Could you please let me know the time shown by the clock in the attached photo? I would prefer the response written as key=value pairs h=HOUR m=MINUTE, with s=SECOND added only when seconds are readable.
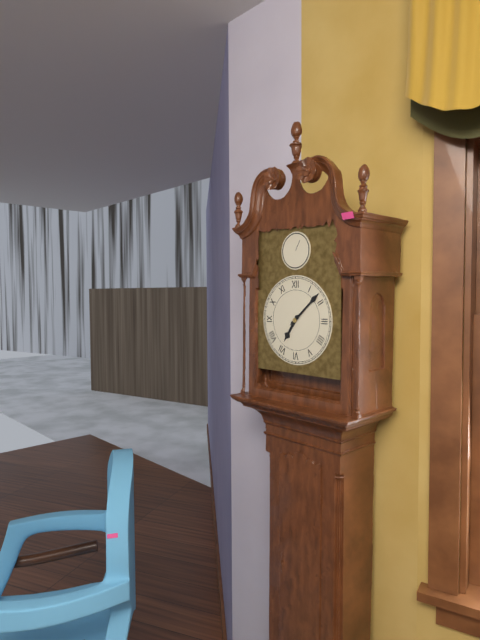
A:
h=7 m=8
